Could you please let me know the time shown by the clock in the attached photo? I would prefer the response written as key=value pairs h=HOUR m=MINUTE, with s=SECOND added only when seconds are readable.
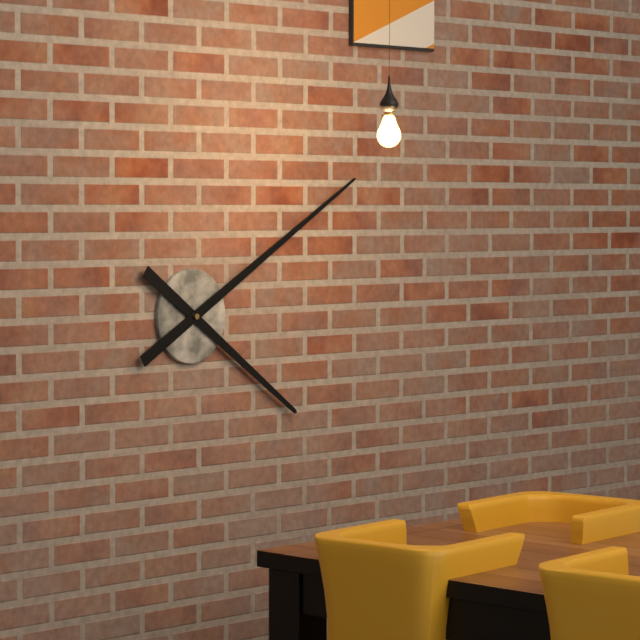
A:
h=4 m=10
